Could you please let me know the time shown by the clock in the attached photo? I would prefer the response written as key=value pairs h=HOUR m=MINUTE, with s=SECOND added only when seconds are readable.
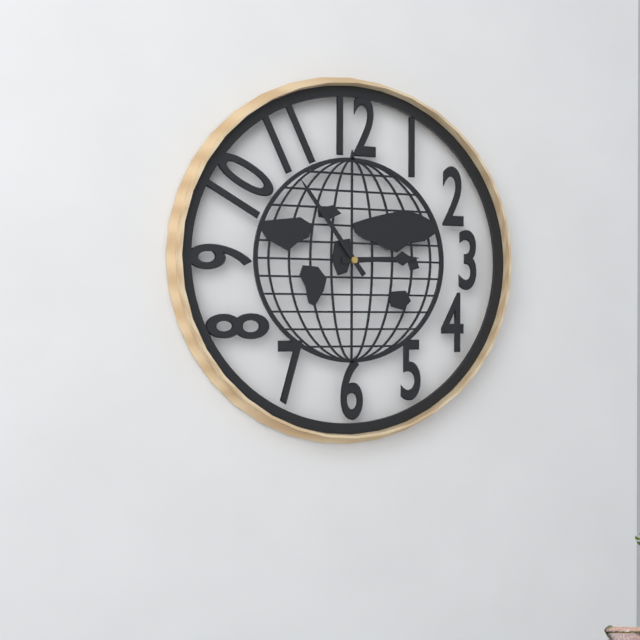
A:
h=2 m=54
